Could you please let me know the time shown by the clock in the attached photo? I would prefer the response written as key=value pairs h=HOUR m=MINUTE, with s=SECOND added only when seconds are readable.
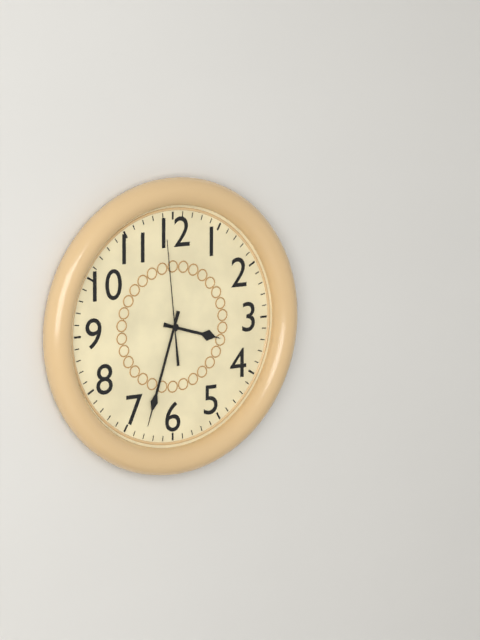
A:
h=3 m=33 s=59
